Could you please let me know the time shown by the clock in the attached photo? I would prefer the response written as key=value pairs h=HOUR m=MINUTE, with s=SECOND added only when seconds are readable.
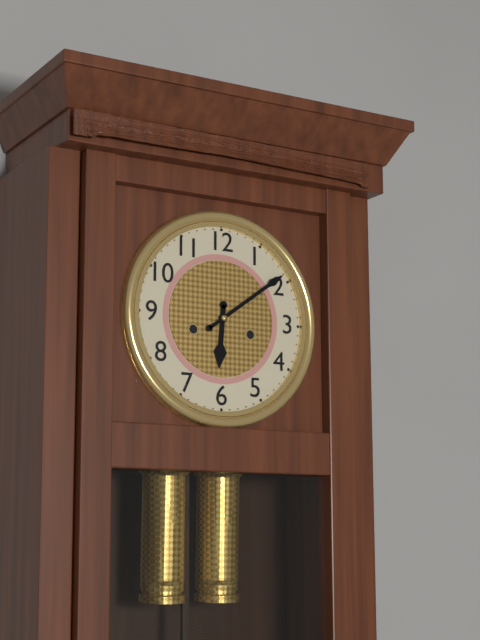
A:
h=6 m=9
